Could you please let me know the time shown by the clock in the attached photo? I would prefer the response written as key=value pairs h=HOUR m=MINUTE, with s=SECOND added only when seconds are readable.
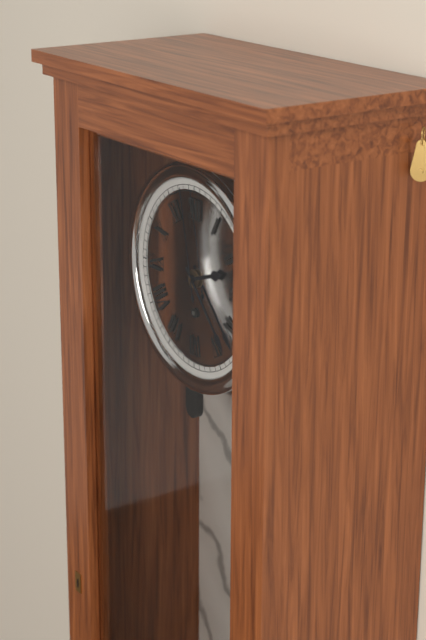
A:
h=2 m=23 s=58
